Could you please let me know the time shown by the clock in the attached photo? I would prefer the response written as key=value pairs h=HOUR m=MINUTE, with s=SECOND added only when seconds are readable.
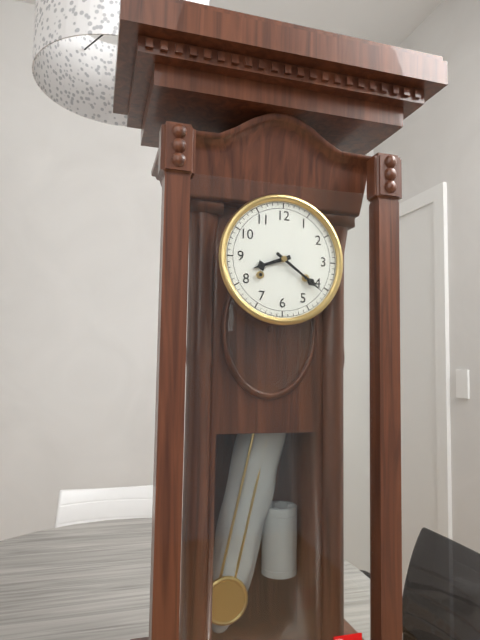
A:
h=8 m=21
